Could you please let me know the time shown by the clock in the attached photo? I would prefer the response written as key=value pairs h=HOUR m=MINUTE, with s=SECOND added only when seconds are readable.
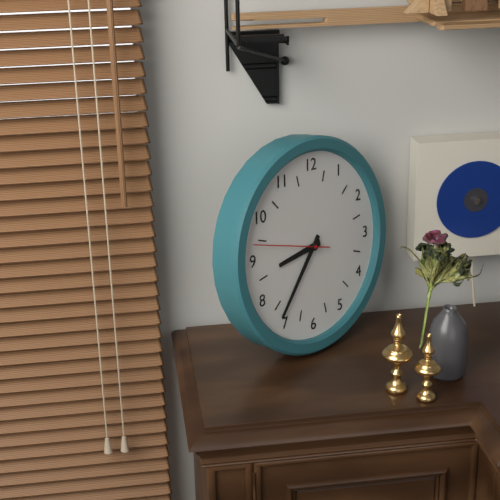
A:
h=8 m=36 s=47
